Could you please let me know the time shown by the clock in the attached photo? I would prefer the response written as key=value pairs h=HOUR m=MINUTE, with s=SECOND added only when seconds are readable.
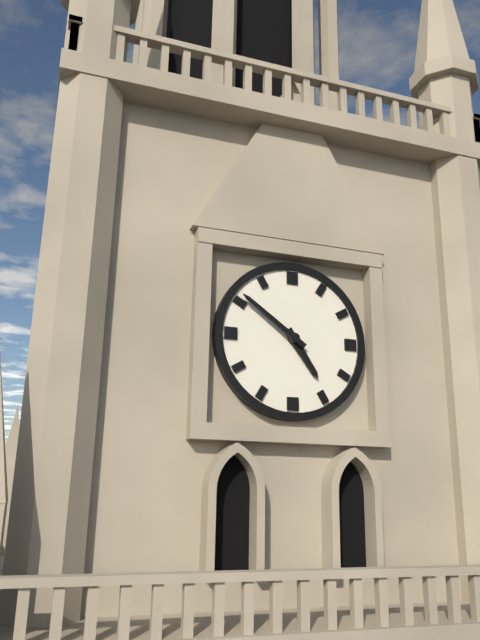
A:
h=4 m=51
